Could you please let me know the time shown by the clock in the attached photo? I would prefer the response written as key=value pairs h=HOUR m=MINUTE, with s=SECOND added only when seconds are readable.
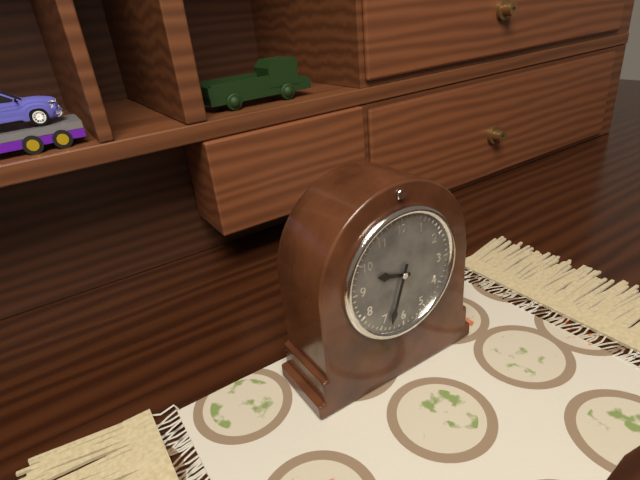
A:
h=9 m=33
